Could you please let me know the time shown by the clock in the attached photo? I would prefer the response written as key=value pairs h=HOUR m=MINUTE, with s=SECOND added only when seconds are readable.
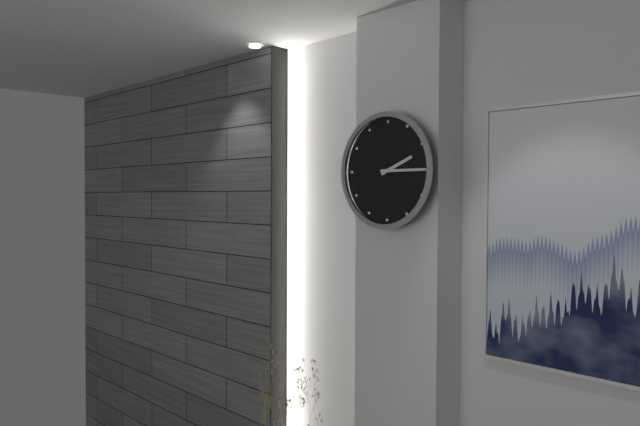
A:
h=2 m=15
